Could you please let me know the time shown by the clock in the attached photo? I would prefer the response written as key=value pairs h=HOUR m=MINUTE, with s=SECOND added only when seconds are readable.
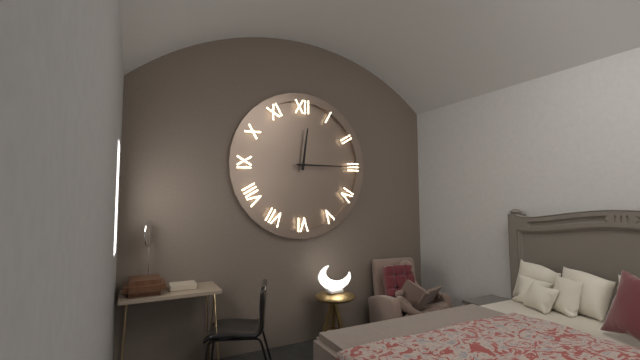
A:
h=12 m=15
